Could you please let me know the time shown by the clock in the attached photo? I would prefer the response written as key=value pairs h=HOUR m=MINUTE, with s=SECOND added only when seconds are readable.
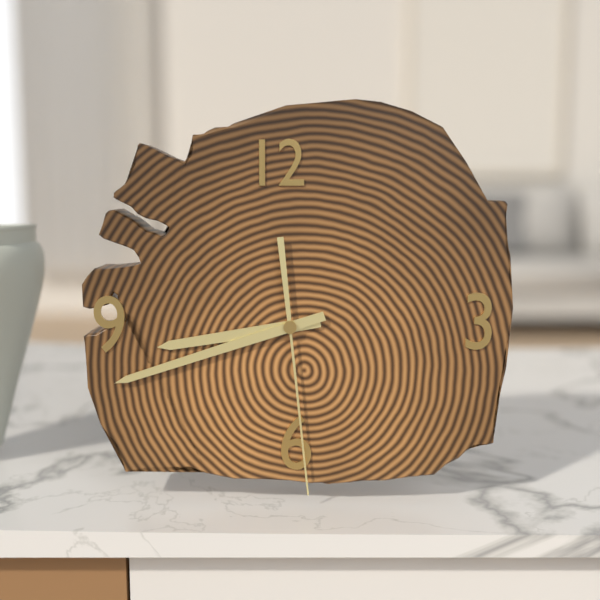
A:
h=8 m=42 s=29
